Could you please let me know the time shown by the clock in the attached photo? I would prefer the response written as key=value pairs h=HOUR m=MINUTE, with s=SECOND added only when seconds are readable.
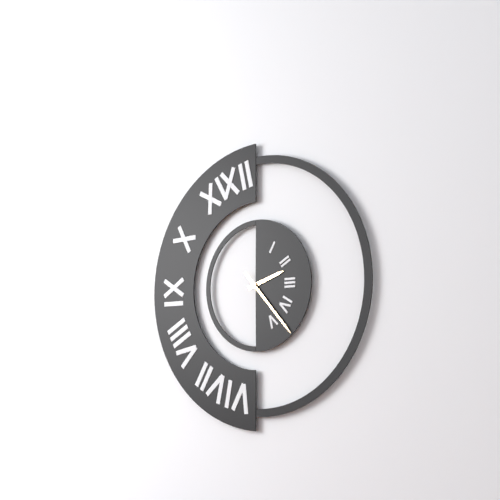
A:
h=2 m=23
